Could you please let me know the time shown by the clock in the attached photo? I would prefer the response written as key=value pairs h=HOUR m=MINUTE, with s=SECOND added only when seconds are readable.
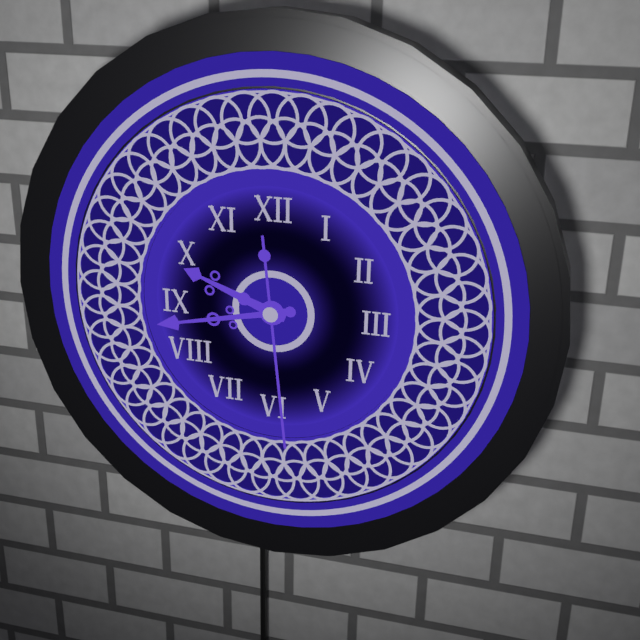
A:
h=9 m=43 s=29
